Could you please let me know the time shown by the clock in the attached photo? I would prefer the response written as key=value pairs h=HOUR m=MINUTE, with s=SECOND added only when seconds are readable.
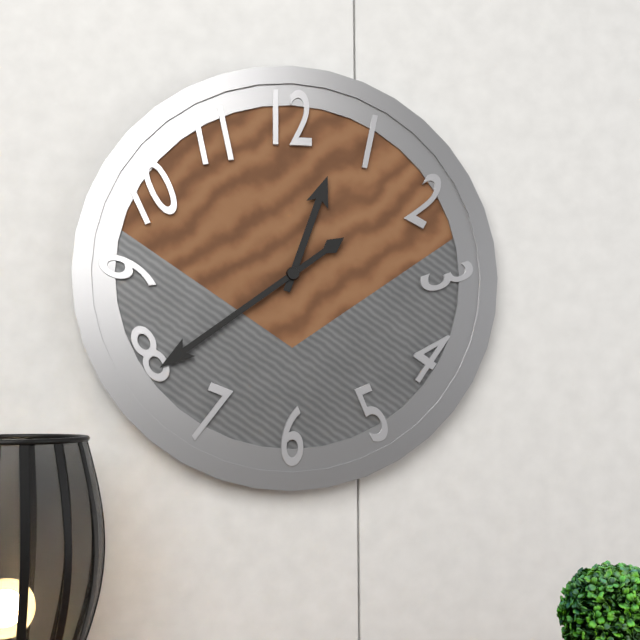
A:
h=12 m=39
